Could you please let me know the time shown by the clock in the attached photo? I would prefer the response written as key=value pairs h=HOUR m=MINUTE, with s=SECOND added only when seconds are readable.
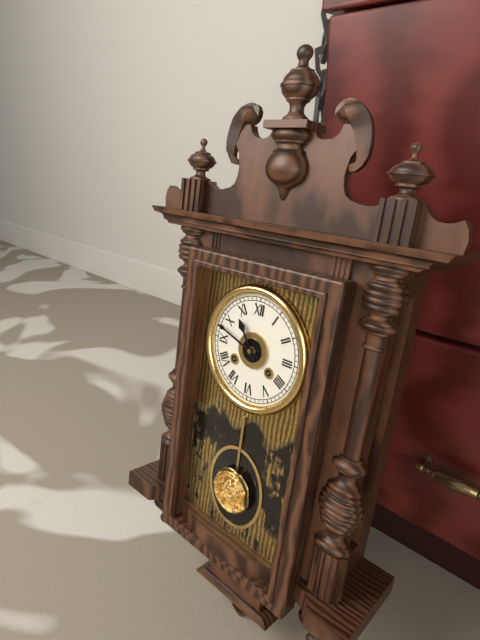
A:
h=10 m=48
